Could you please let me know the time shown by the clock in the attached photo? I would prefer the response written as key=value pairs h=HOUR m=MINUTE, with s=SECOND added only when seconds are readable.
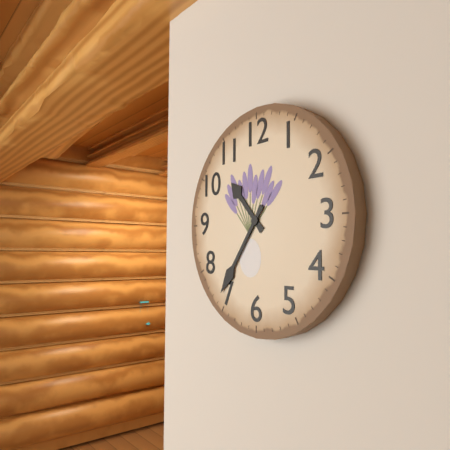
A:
h=10 m=36
